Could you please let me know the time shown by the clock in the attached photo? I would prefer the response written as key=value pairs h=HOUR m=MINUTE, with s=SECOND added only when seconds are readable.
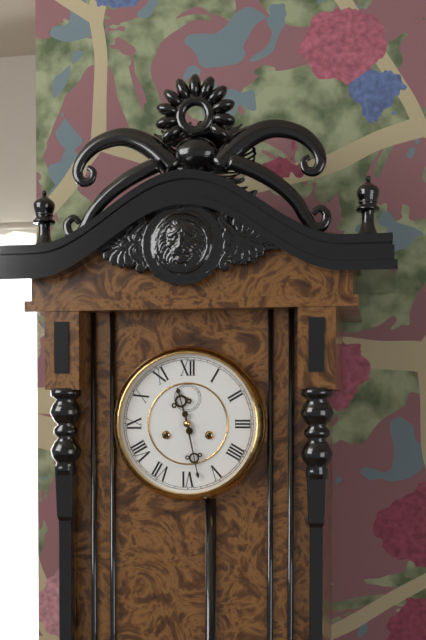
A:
h=11 m=28
